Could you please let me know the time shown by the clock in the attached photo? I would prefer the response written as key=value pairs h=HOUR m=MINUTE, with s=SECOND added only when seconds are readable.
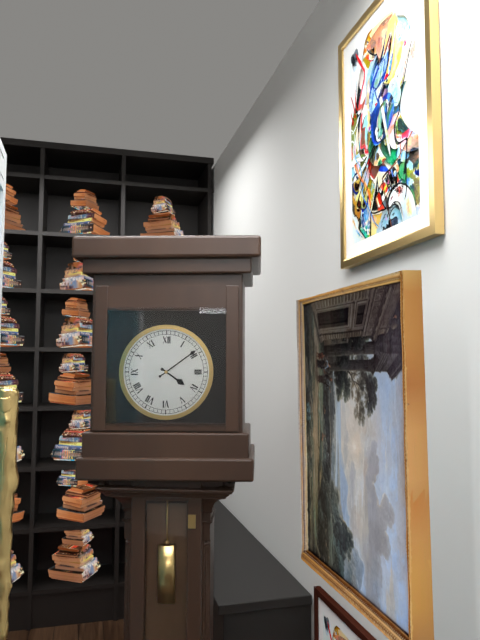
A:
h=4 m=9
